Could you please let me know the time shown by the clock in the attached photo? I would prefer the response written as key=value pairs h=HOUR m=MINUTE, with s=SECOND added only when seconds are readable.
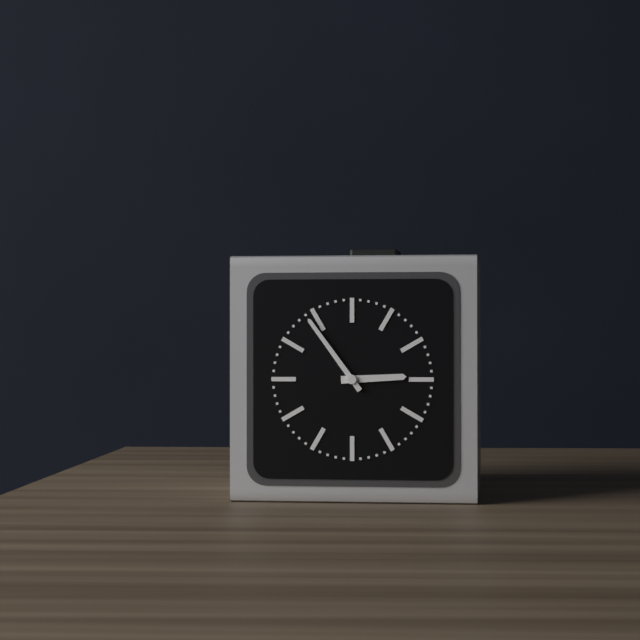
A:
h=2 m=54
